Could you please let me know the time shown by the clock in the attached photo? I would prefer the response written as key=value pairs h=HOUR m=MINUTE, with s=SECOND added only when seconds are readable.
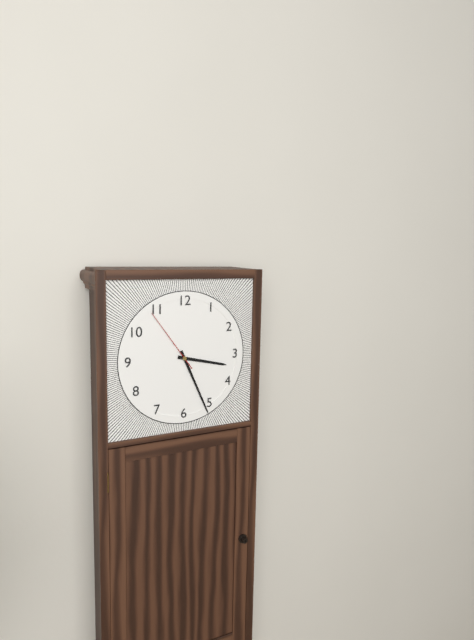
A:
h=3 m=26 s=54
